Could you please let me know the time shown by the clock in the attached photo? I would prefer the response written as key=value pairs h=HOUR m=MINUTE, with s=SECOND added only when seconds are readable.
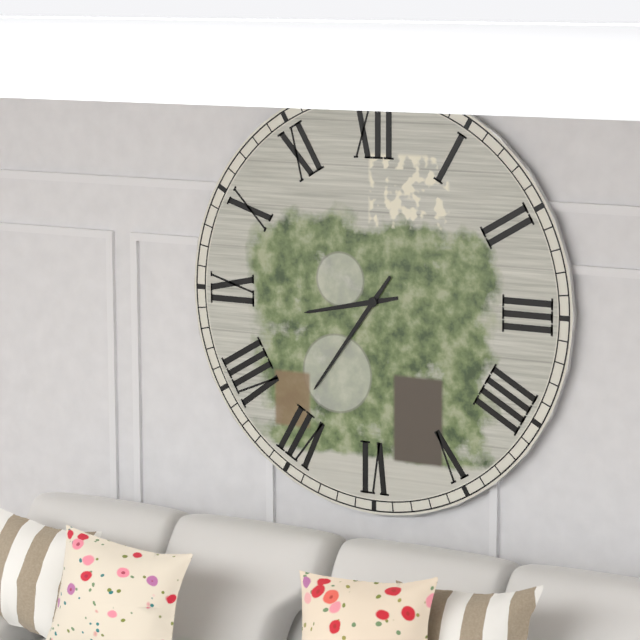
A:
h=8 m=36
